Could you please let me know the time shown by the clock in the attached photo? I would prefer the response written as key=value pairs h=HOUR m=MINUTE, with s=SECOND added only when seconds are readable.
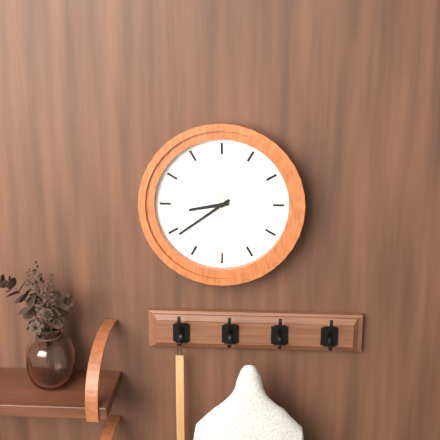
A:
h=8 m=39 s=30
